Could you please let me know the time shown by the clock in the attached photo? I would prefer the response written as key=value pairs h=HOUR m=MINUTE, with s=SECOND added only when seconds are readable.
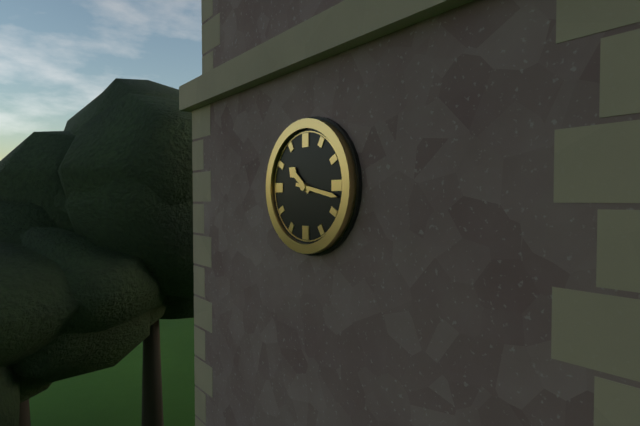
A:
h=10 m=17
